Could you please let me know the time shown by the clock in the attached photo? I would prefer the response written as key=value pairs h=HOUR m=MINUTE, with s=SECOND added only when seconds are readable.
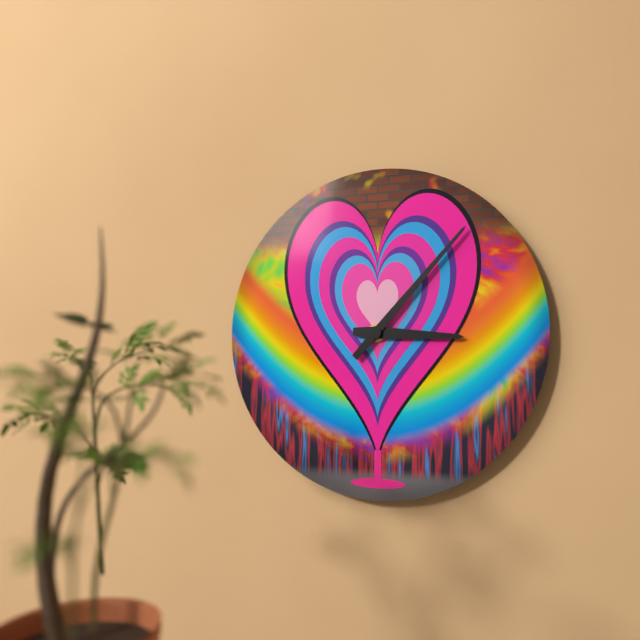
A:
h=3 m=7
